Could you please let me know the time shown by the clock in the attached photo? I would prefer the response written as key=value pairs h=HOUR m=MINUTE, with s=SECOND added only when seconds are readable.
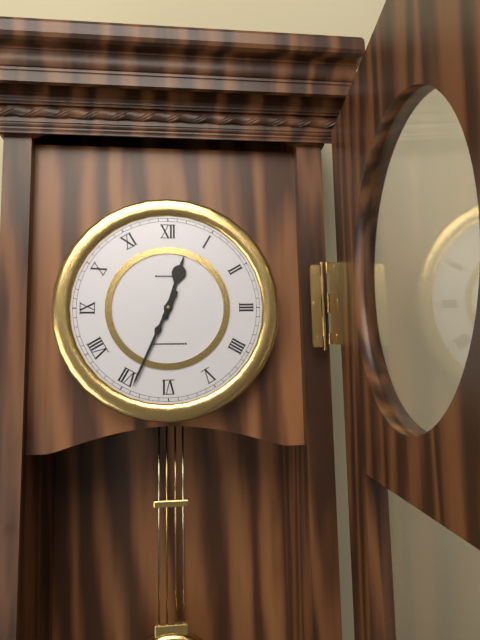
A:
h=12 m=34
